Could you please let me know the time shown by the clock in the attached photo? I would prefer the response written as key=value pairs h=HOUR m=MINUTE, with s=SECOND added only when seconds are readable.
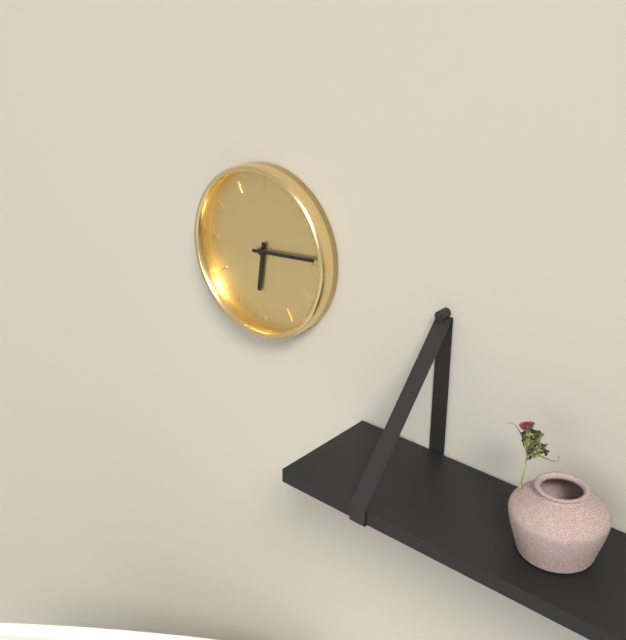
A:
h=6 m=14
